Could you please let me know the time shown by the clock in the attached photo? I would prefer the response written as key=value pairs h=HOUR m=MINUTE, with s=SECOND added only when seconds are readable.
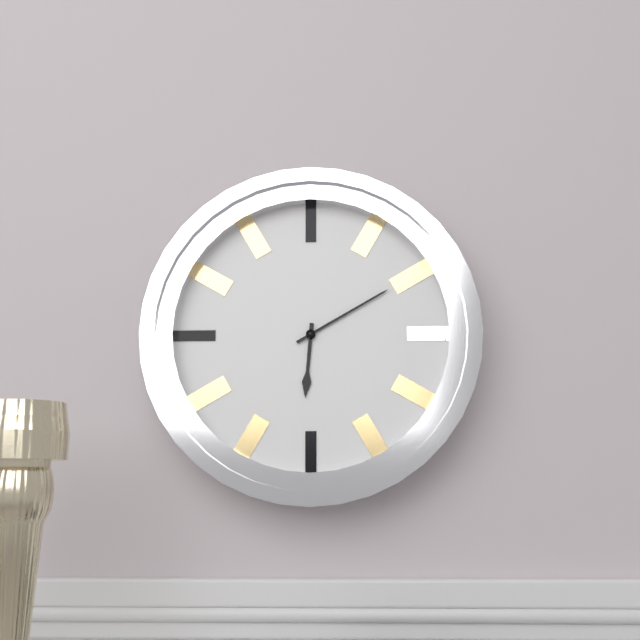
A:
h=6 m=10
